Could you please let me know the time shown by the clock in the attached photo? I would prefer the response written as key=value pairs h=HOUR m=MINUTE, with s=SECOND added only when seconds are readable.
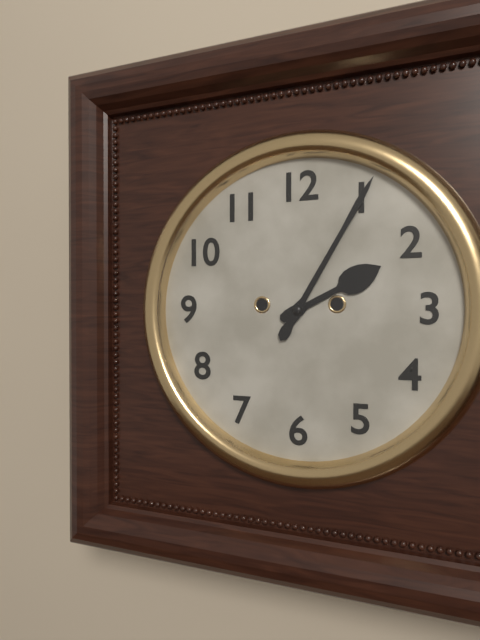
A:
h=2 m=5
